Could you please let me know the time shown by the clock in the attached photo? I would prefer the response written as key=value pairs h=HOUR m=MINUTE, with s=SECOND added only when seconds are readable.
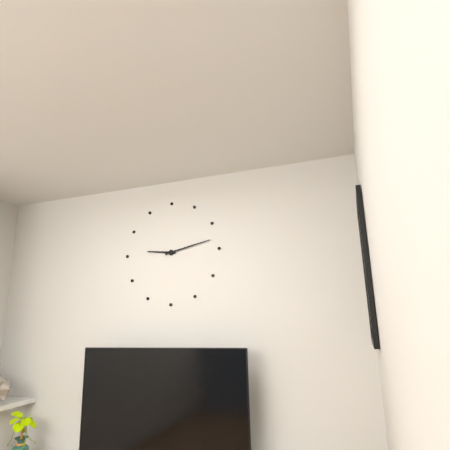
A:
h=9 m=13
